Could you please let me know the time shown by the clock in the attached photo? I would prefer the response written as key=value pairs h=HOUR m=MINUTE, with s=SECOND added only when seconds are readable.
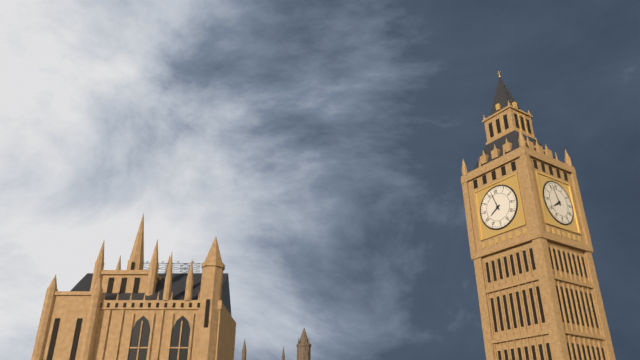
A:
h=7 m=57
